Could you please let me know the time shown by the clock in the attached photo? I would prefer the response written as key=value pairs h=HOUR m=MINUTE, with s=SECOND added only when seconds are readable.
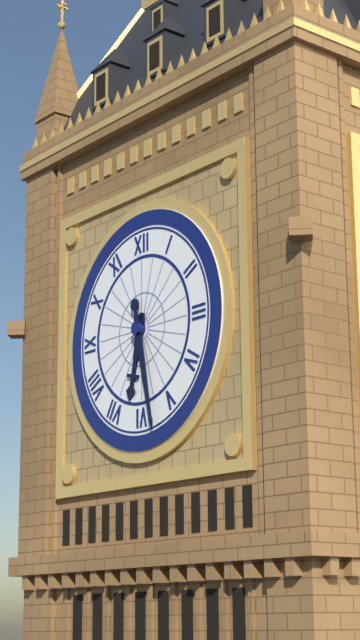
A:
h=6 m=28
